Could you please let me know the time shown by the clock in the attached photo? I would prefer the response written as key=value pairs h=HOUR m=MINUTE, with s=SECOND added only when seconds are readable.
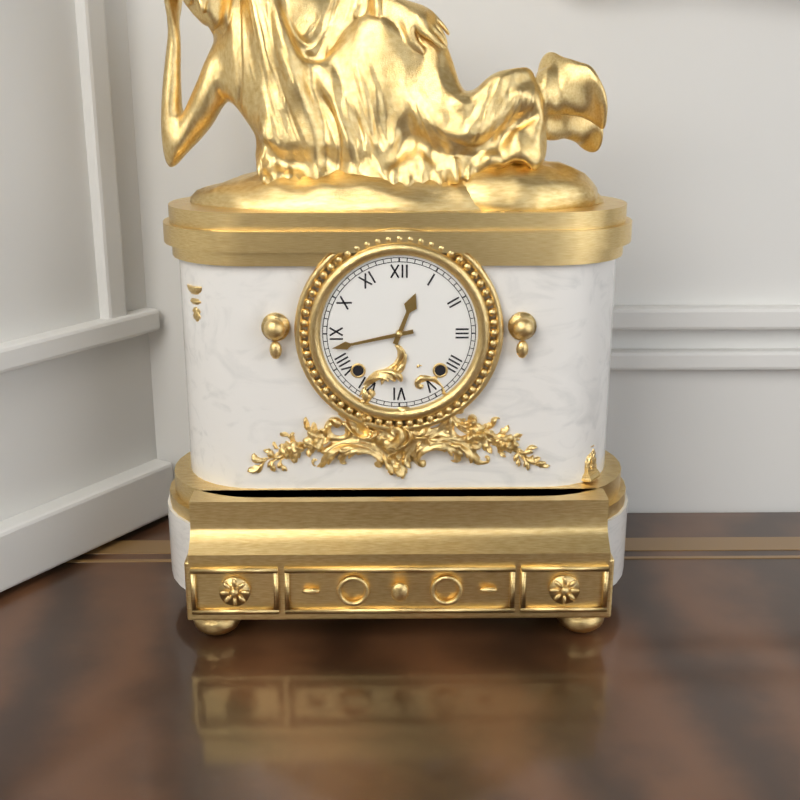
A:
h=12 m=43
